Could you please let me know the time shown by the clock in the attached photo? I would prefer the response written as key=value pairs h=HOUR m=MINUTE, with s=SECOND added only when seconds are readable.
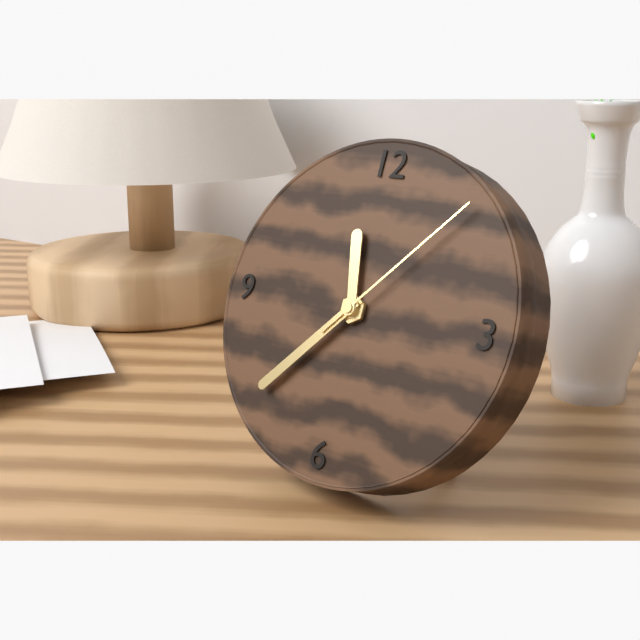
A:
h=11 m=37 s=7
